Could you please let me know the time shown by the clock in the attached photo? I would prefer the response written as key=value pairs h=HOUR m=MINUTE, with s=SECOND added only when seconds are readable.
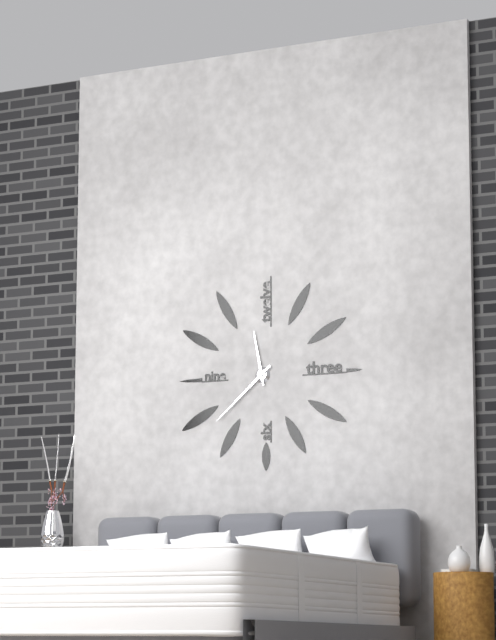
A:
h=11 m=38
